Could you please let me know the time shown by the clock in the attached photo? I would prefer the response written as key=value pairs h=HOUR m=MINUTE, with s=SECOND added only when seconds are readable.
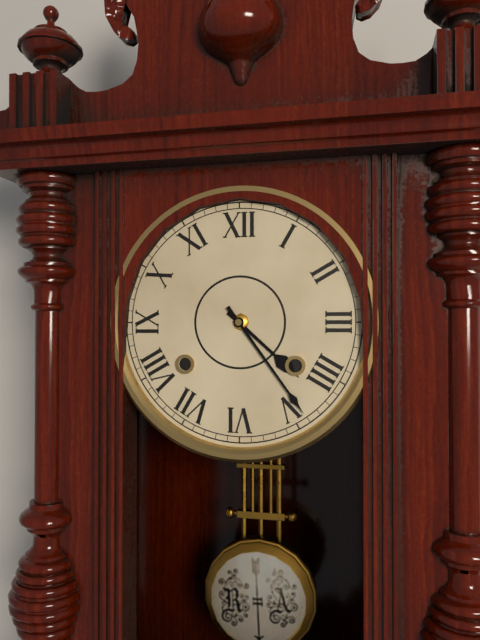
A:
h=4 m=24
